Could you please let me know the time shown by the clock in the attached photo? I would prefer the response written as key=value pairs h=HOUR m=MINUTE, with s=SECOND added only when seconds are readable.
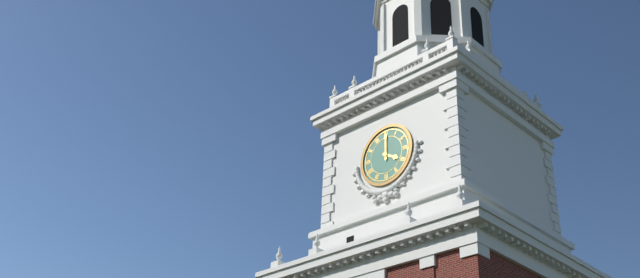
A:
h=4 m=0
